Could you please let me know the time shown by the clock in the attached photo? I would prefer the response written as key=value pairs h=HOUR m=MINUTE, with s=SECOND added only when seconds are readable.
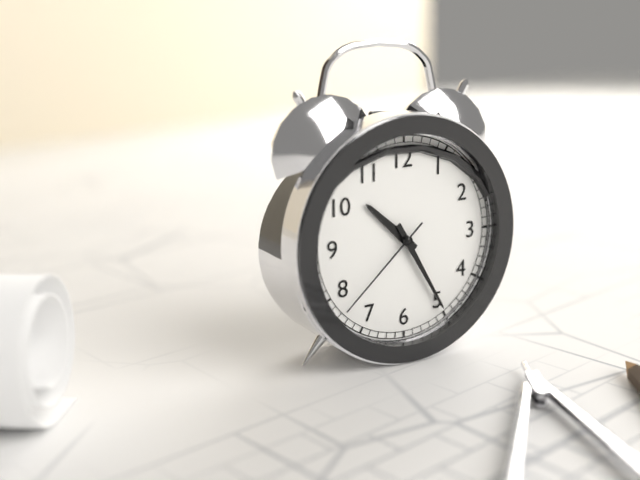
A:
h=10 m=25 s=38
